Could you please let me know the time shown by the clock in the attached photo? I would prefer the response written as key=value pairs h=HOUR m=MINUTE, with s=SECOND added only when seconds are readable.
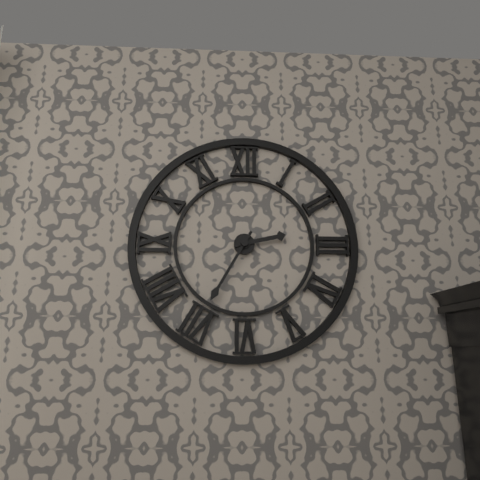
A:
h=2 m=35
